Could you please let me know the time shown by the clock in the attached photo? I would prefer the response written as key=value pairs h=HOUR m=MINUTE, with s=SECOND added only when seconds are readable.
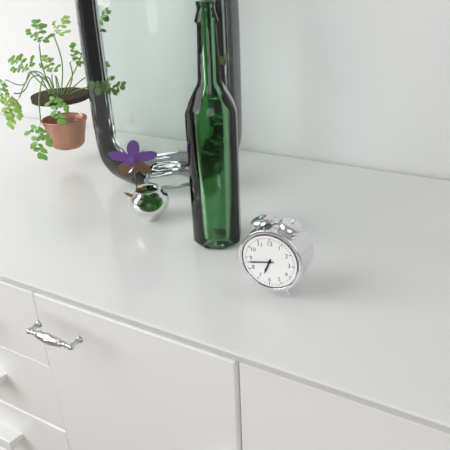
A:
h=6 m=43
